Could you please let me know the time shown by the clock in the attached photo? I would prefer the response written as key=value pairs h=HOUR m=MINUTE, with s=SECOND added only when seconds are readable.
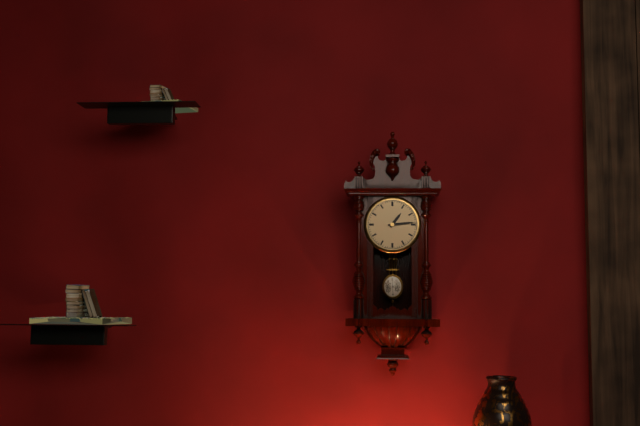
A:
h=1 m=14
